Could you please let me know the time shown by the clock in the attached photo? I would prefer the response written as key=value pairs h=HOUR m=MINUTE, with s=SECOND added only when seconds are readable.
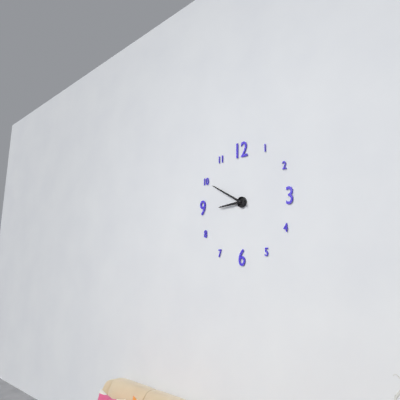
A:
h=8 m=50
